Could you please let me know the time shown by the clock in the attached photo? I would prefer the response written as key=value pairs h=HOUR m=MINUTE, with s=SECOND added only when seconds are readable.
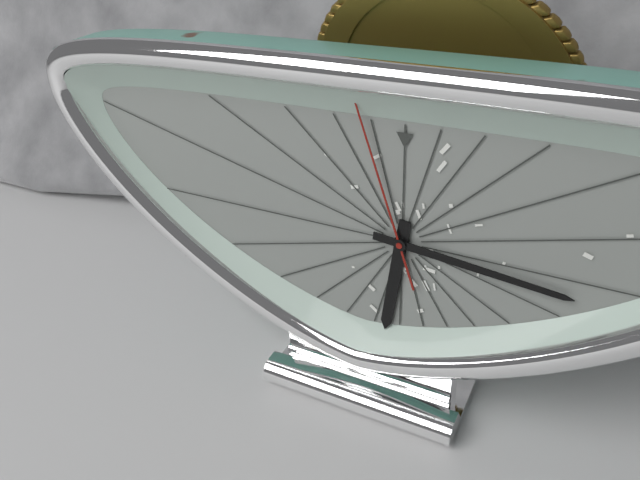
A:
h=6 m=16 s=57
